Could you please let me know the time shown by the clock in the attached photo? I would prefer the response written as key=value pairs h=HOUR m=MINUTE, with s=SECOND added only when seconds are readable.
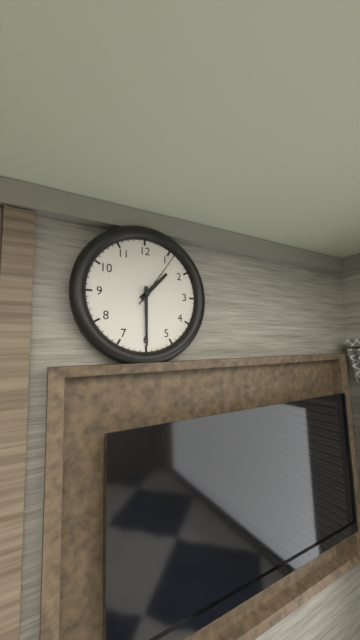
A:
h=1 m=30 s=6
